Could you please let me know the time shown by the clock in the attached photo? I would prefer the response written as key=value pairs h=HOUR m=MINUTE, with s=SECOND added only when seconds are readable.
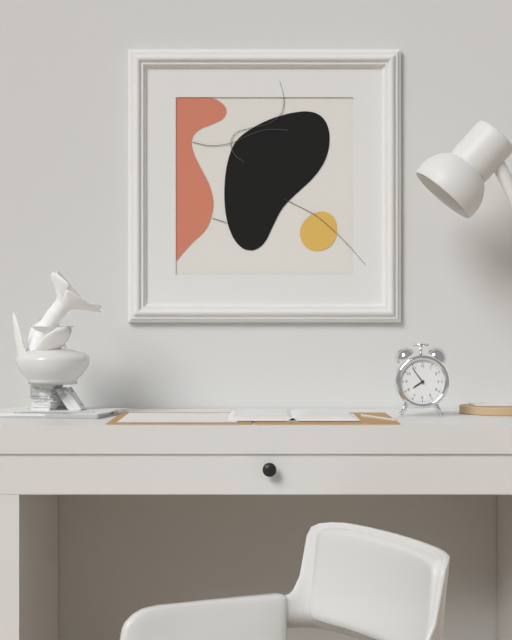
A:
h=7 m=54
